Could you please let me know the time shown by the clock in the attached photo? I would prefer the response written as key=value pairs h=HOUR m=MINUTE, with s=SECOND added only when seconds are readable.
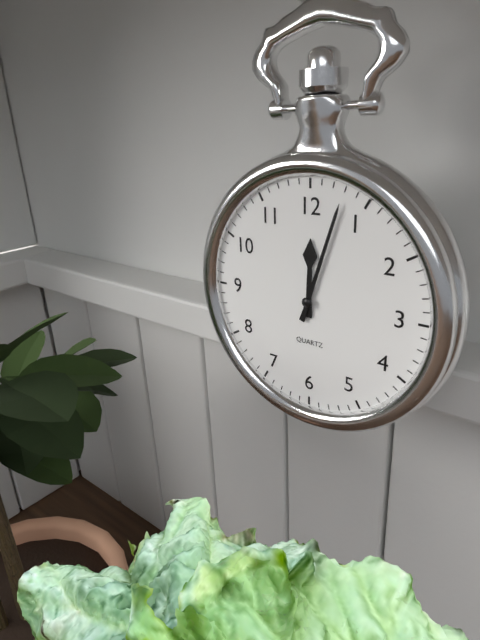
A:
h=12 m=3
